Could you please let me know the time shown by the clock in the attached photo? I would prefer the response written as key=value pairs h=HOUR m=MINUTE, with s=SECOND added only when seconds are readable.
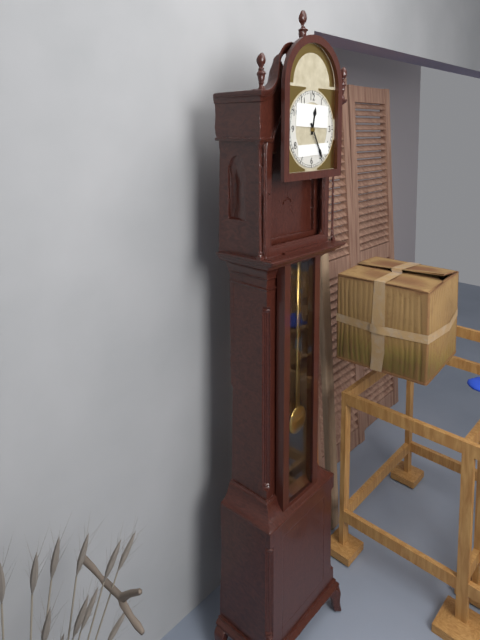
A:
h=12 m=25
